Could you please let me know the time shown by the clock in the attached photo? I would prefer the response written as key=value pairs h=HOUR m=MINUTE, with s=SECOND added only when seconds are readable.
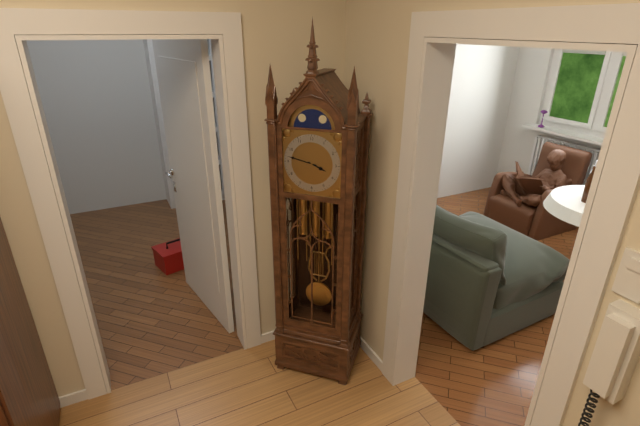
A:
h=3 m=47
